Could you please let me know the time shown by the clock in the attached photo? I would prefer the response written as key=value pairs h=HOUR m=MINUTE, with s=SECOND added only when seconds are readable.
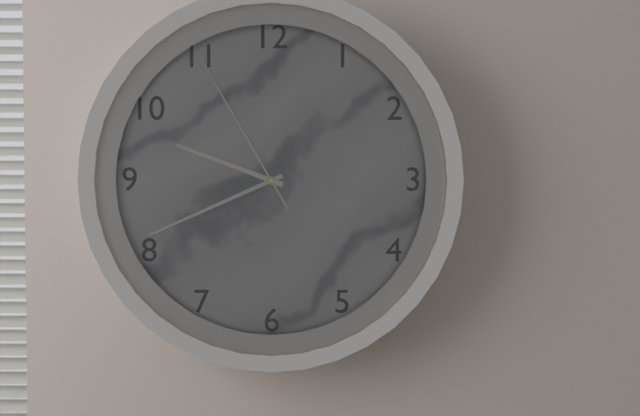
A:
h=9 m=41 s=55
